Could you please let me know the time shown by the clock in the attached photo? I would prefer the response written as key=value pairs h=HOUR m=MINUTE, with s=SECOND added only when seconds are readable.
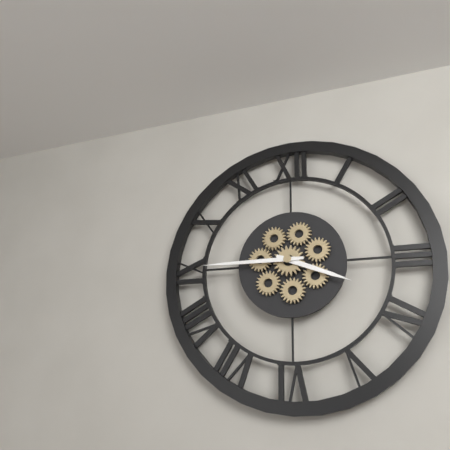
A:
h=3 m=45
